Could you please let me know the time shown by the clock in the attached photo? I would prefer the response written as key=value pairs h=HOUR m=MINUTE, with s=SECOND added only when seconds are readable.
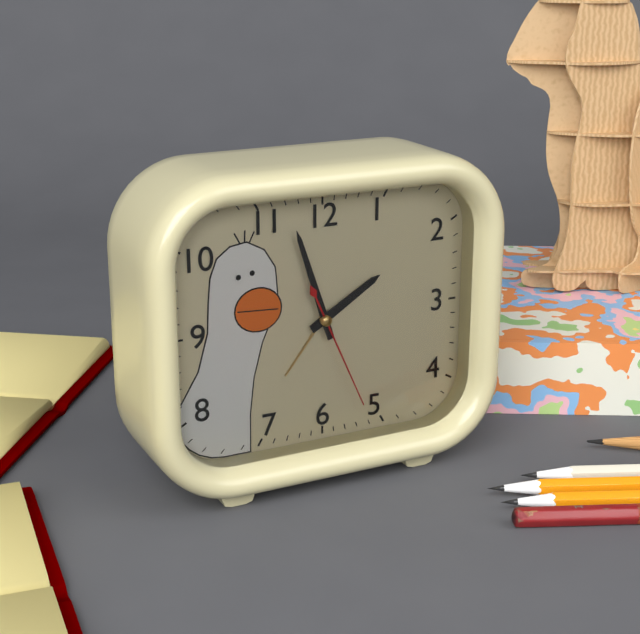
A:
h=1 m=57 s=26
